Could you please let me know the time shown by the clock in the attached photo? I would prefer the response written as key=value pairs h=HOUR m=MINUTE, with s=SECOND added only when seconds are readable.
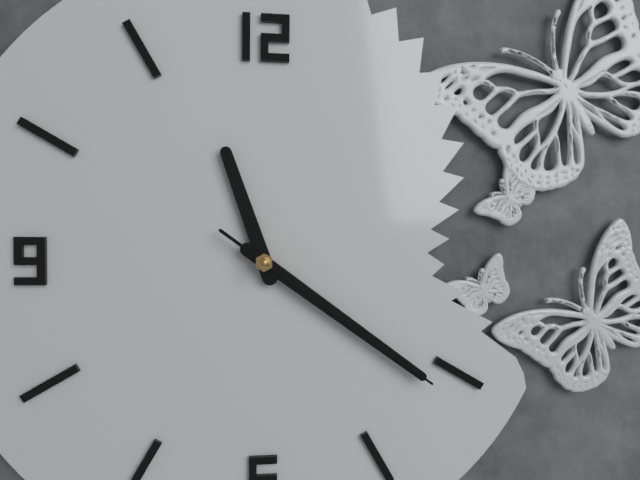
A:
h=11 m=21 s=21
